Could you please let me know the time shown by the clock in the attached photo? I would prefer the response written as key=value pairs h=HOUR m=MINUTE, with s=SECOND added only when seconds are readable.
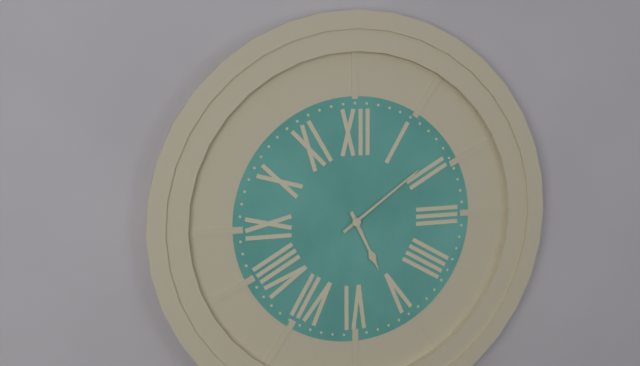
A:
h=5 m=9
